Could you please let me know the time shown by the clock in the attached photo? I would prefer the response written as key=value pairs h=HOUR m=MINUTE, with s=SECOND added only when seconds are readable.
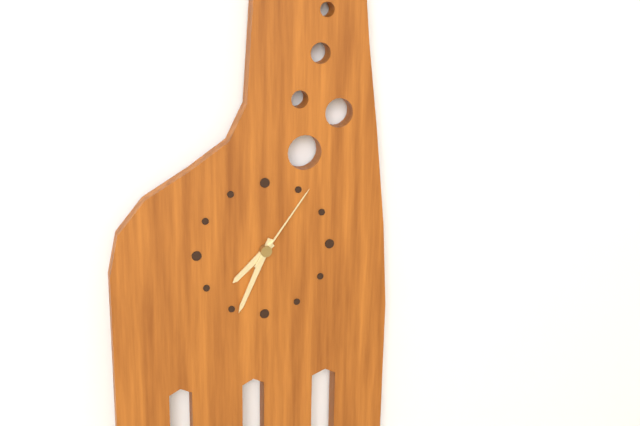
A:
h=7 m=34 s=6
